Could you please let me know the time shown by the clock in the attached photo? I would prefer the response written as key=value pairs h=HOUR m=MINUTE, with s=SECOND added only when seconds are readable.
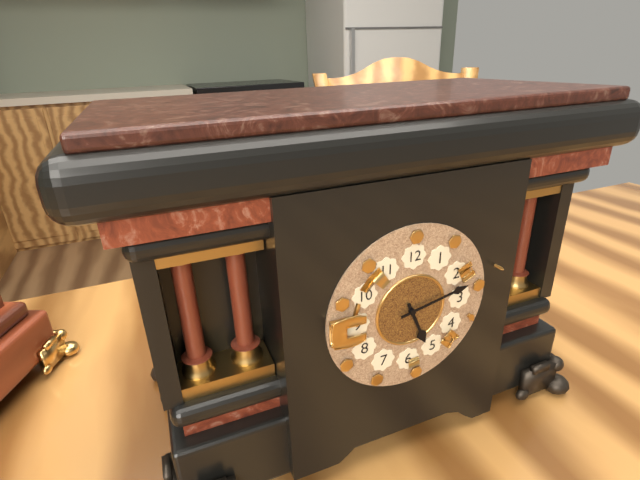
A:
h=5 m=13
